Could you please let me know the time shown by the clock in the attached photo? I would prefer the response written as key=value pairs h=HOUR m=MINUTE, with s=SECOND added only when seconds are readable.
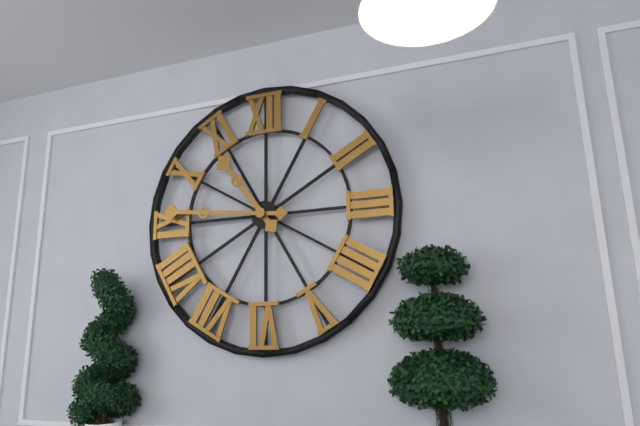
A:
h=10 m=46
